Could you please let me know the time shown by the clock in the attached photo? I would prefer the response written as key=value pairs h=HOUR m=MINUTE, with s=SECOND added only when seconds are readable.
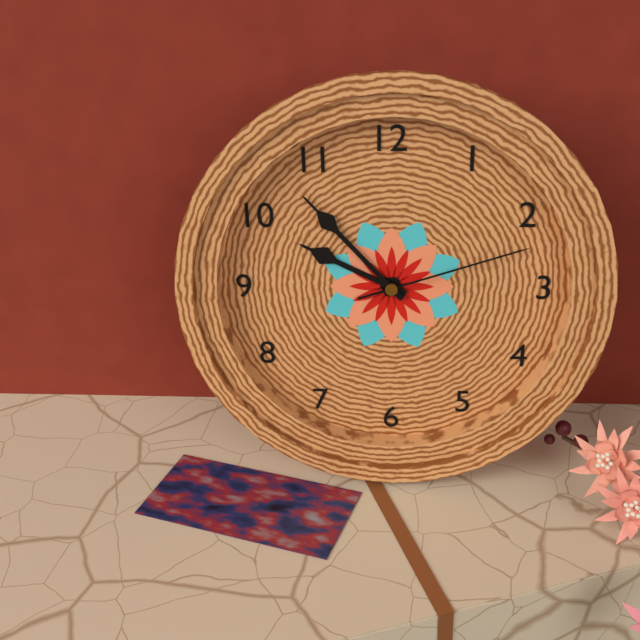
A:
h=9 m=53 s=12
